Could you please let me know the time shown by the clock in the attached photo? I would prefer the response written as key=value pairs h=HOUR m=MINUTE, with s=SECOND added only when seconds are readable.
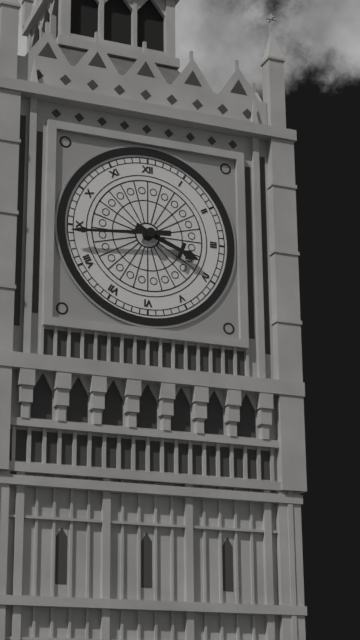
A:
h=3 m=44
